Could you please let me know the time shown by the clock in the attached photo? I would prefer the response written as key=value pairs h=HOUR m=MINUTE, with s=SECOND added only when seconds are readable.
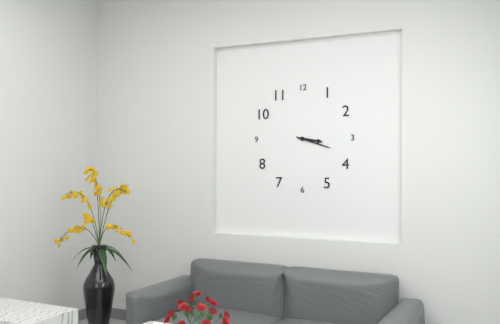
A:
h=3 m=18
